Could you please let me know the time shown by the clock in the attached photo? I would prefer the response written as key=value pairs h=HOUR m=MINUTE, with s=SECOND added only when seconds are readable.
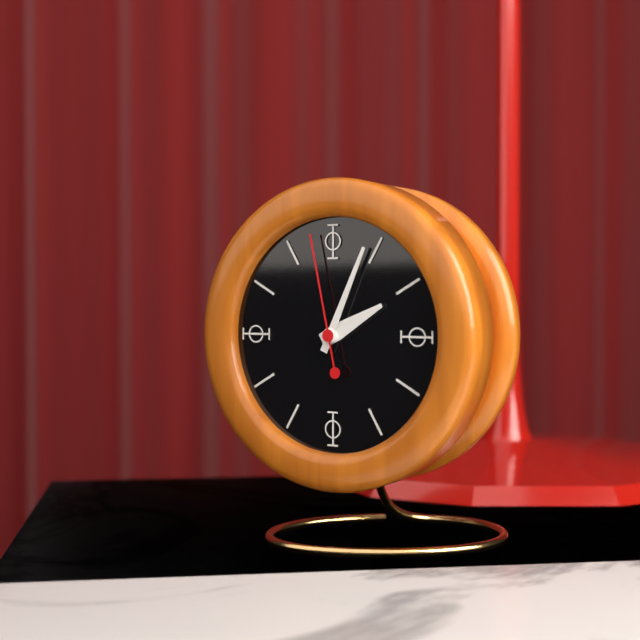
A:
h=2 m=4 s=58
